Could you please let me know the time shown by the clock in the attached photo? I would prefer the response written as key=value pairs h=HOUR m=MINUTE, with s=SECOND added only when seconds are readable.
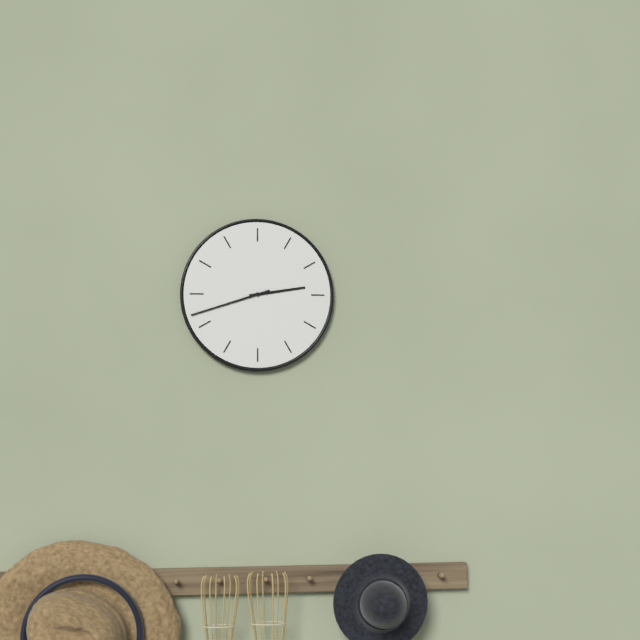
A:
h=2 m=42
